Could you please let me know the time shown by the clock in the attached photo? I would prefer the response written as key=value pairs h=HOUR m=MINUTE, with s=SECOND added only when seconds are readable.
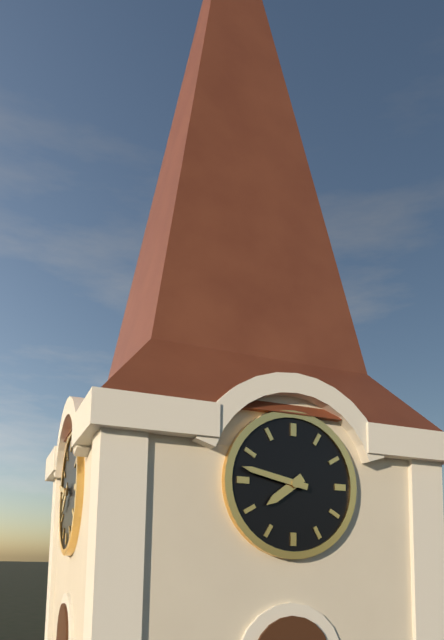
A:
h=7 m=47
